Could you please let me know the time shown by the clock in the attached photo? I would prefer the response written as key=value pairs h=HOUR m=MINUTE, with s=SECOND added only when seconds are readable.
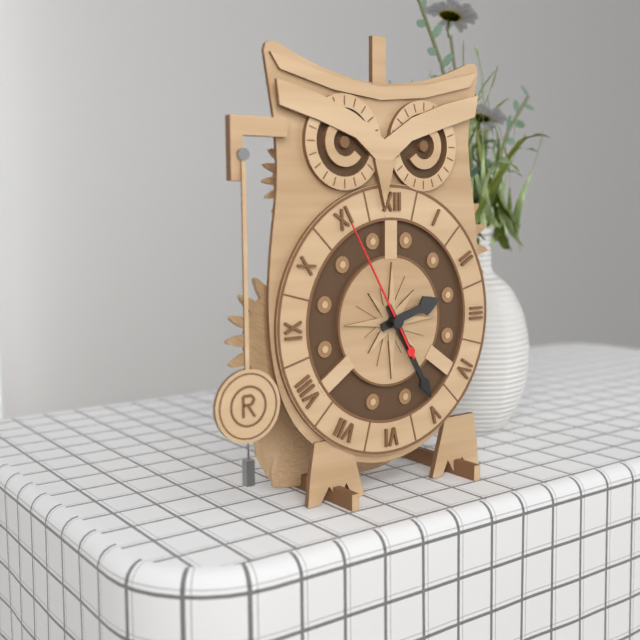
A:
h=2 m=25 s=55
